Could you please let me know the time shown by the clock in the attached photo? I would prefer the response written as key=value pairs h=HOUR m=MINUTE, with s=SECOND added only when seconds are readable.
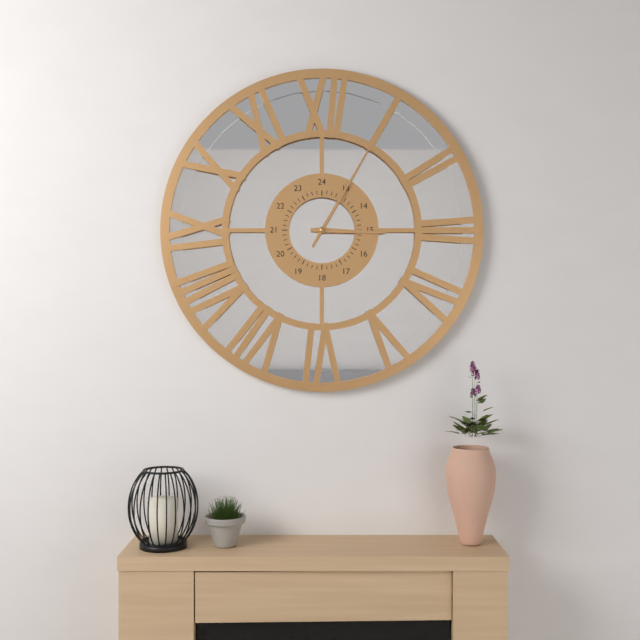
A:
h=3 m=5
